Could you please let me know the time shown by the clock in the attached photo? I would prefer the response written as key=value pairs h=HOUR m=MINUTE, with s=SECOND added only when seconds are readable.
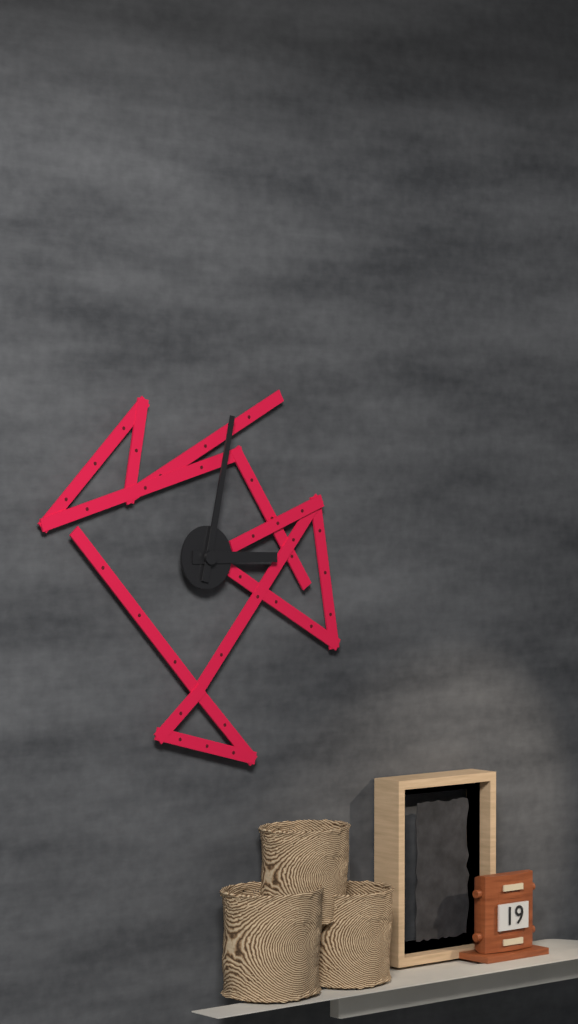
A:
h=3 m=2
